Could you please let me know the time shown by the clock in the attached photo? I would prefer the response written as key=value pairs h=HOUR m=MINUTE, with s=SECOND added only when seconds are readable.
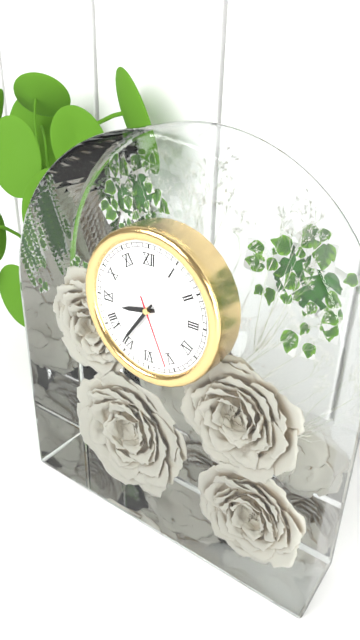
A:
h=8 m=36 s=26
